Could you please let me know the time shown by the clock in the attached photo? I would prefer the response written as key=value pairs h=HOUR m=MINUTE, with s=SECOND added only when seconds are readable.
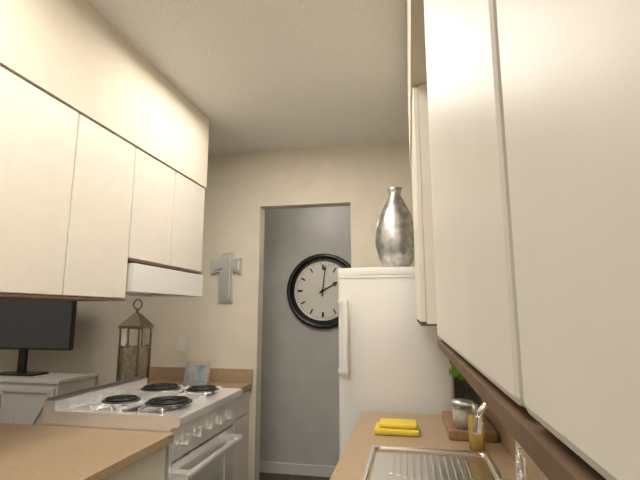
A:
h=2 m=1
